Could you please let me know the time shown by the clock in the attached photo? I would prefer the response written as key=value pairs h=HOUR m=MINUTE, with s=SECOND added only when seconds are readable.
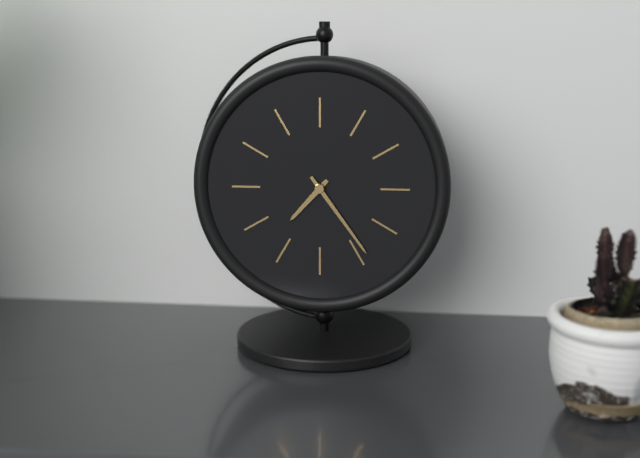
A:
h=7 m=24
